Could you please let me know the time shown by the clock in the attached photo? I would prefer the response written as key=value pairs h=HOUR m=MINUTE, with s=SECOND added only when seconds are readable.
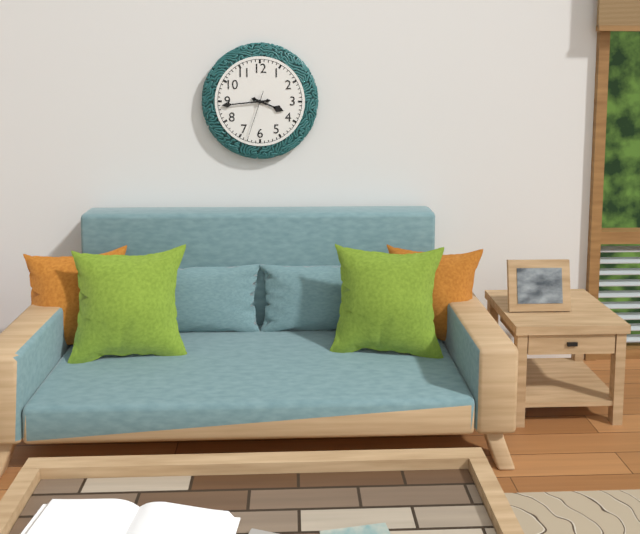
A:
h=3 m=44 s=33
